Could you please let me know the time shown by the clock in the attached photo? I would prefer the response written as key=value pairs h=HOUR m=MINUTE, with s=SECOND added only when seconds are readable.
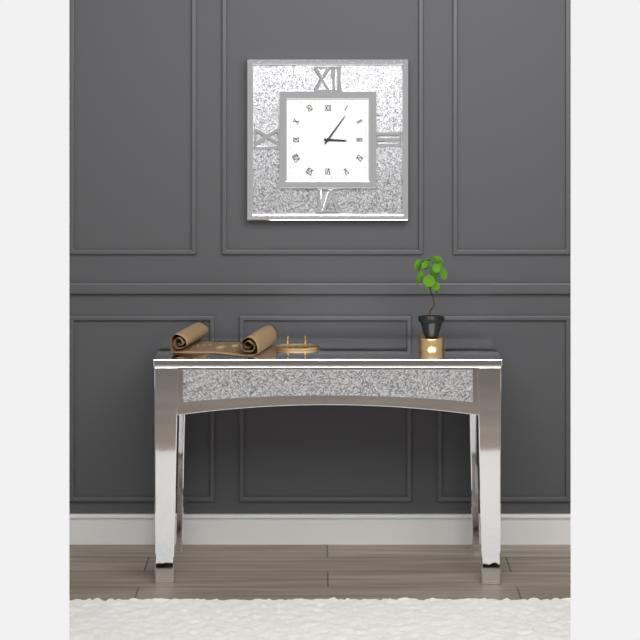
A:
h=3 m=6
